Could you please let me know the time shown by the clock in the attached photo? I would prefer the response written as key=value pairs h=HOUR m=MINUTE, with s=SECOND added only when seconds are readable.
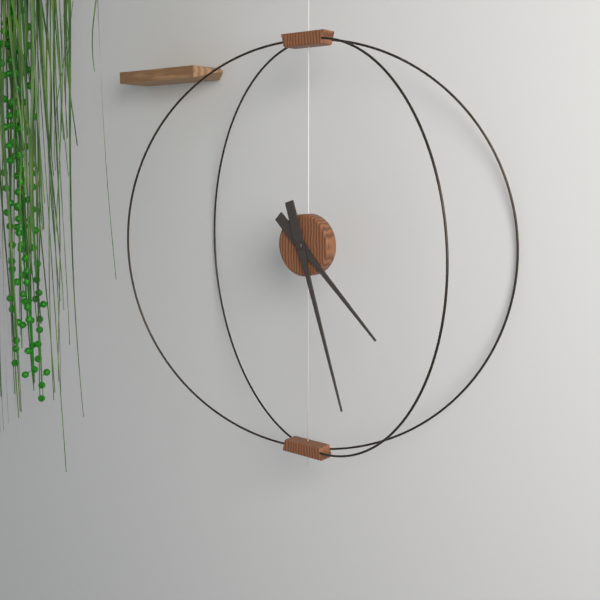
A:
h=4 m=27
